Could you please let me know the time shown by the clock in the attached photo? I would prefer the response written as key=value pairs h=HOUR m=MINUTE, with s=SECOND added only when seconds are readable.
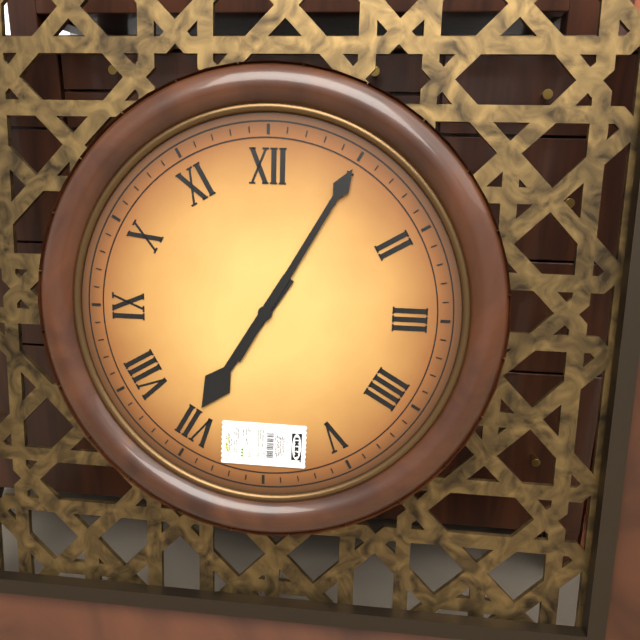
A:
h=7 m=5
